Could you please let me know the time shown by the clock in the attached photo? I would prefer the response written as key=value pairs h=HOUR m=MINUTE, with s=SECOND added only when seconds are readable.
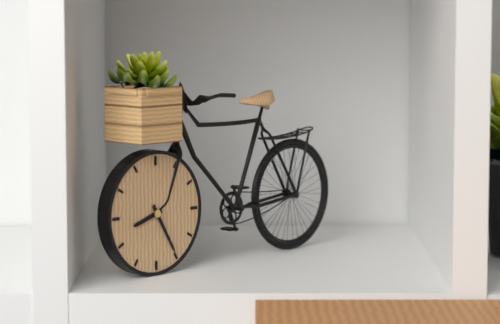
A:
h=8 m=25
